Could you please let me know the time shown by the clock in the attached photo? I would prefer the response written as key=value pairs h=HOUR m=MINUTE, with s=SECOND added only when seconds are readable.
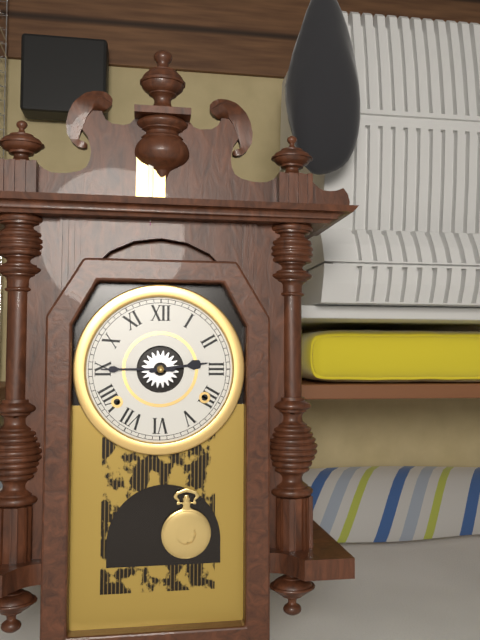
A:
h=2 m=45
